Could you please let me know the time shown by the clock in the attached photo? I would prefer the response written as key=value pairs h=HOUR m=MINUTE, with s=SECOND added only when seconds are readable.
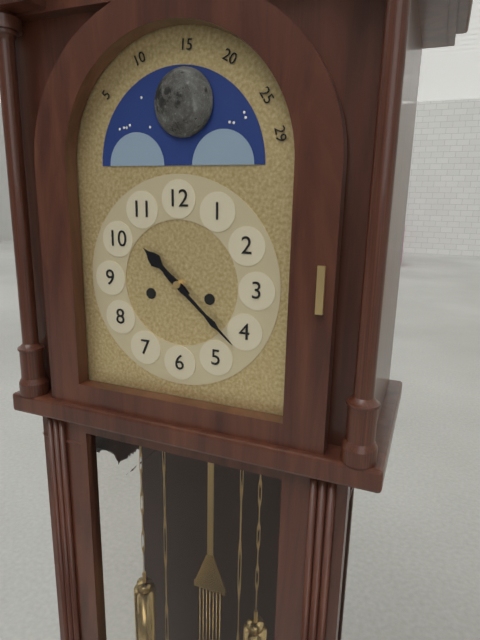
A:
h=10 m=22
